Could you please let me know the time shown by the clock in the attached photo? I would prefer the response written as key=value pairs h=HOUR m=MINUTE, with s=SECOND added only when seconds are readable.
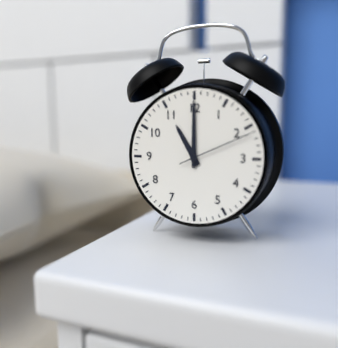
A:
h=11 m=0 s=11
